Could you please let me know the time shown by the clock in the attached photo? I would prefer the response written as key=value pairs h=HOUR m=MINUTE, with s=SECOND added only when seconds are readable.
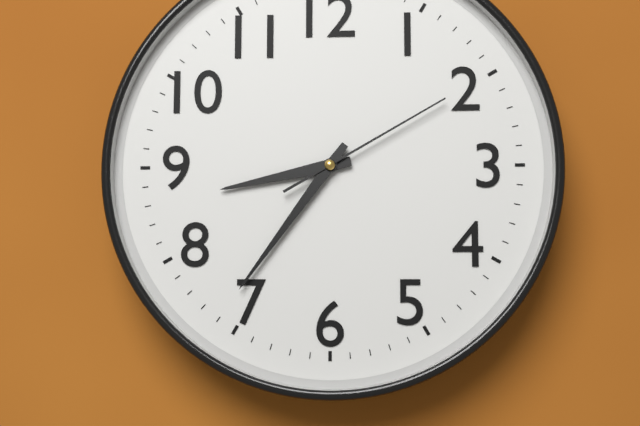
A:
h=8 m=36 s=10
